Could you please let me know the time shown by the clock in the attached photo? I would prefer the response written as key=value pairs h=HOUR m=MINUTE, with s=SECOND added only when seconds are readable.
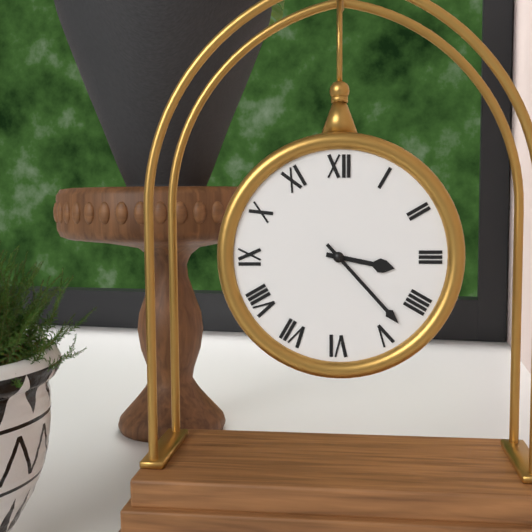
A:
h=3 m=23
